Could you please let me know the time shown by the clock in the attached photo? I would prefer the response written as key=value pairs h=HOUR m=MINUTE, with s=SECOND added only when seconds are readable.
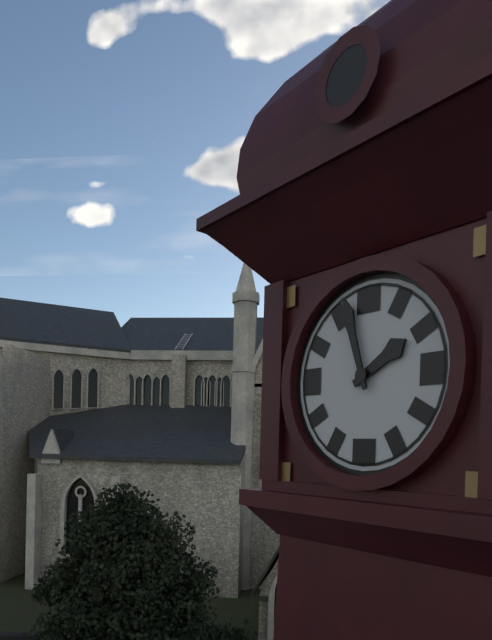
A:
h=1 m=57
